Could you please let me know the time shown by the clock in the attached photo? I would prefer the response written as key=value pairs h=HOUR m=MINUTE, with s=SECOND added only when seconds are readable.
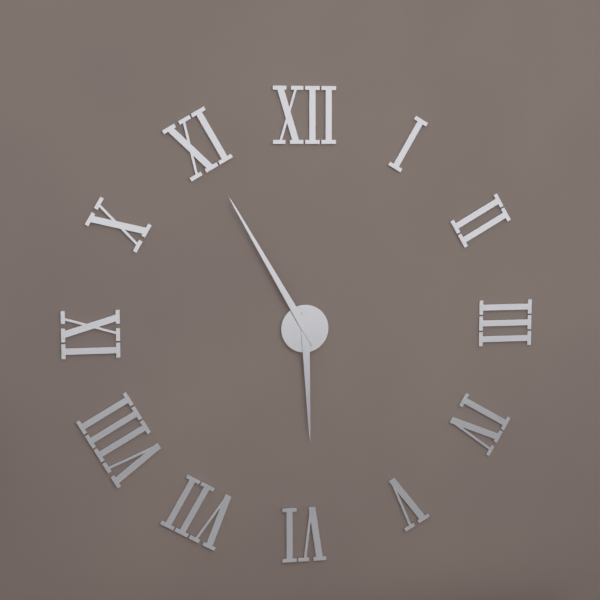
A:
h=5 m=55
